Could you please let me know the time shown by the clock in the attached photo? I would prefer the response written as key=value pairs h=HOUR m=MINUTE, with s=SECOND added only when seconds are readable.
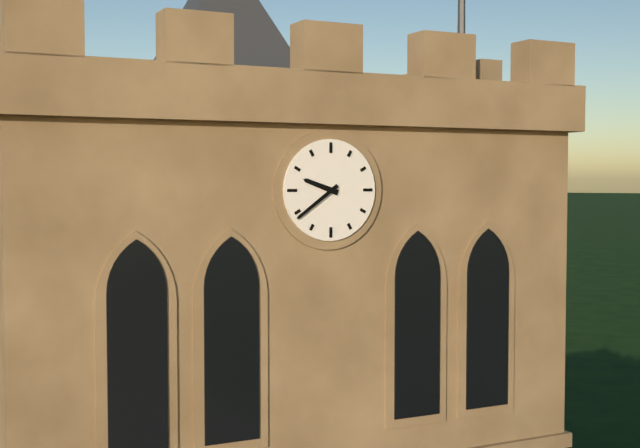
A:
h=9 m=39
